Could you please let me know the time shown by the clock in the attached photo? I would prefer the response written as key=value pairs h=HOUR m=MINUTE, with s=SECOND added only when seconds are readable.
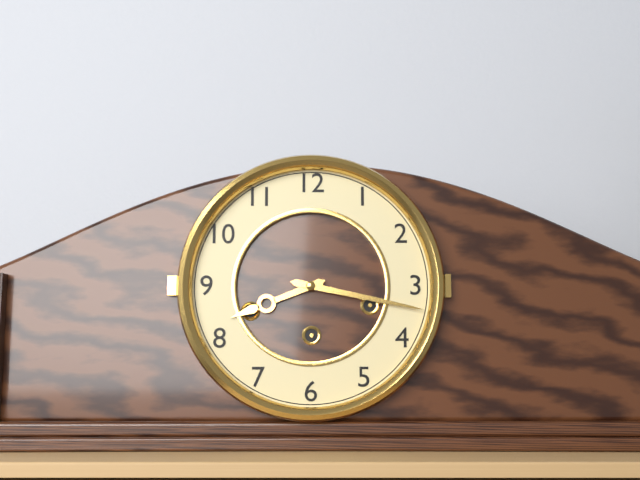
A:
h=8 m=17
